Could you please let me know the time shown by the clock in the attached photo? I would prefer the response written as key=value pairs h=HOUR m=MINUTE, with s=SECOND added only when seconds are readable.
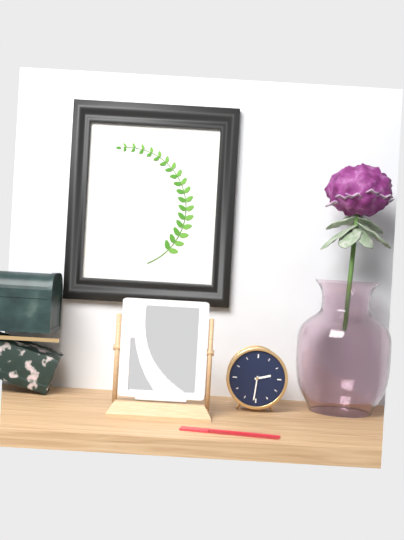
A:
h=2 m=31
